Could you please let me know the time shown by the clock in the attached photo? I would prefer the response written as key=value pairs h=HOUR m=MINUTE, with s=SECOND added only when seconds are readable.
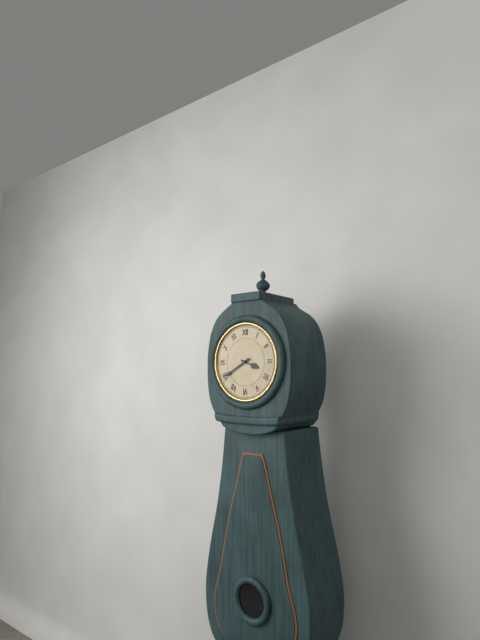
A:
h=3 m=40
